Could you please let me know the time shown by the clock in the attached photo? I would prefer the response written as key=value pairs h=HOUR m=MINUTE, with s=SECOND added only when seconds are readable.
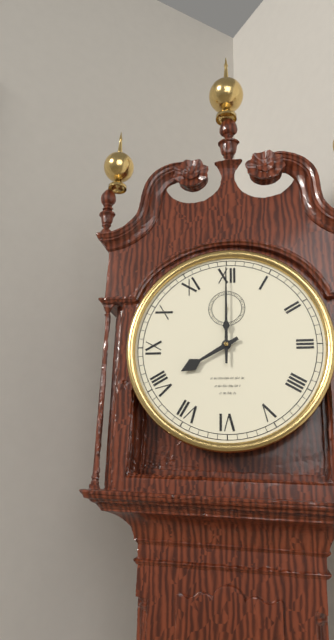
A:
h=8 m=0
